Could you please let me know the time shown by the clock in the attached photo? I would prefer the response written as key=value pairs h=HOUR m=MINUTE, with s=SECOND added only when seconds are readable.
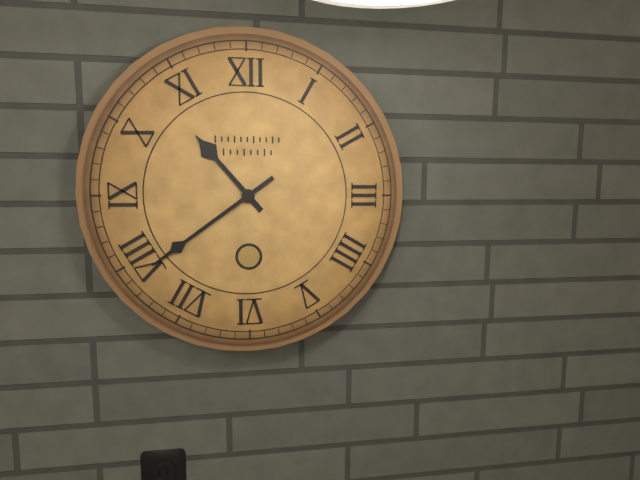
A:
h=10 m=39
